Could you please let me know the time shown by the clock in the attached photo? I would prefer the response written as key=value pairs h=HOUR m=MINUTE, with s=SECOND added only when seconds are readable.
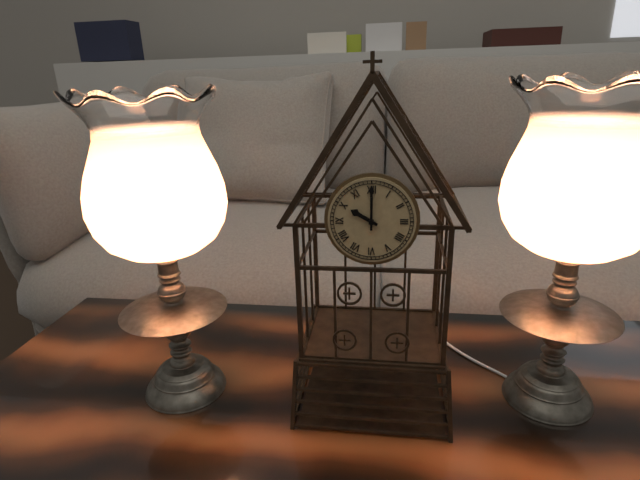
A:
h=10 m=0
